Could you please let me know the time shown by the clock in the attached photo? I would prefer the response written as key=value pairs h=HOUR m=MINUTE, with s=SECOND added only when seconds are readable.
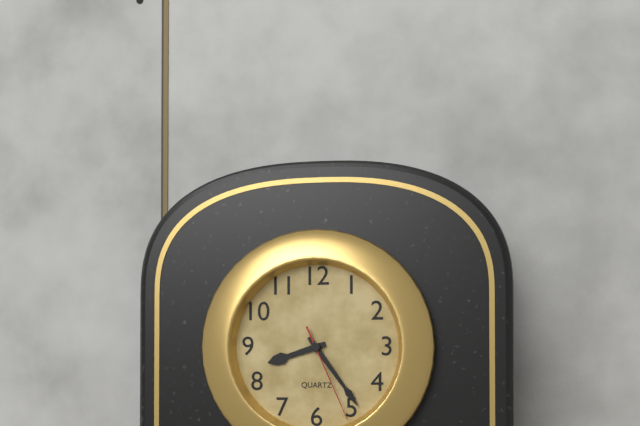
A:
h=8 m=24 s=26
